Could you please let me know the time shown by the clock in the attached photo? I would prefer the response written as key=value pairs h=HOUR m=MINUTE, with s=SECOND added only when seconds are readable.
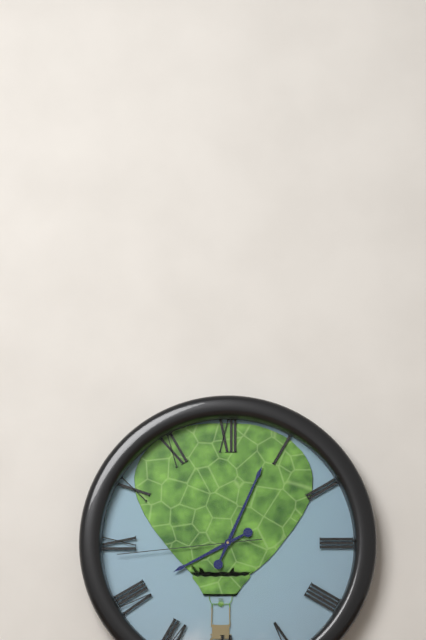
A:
h=8 m=4 s=44
